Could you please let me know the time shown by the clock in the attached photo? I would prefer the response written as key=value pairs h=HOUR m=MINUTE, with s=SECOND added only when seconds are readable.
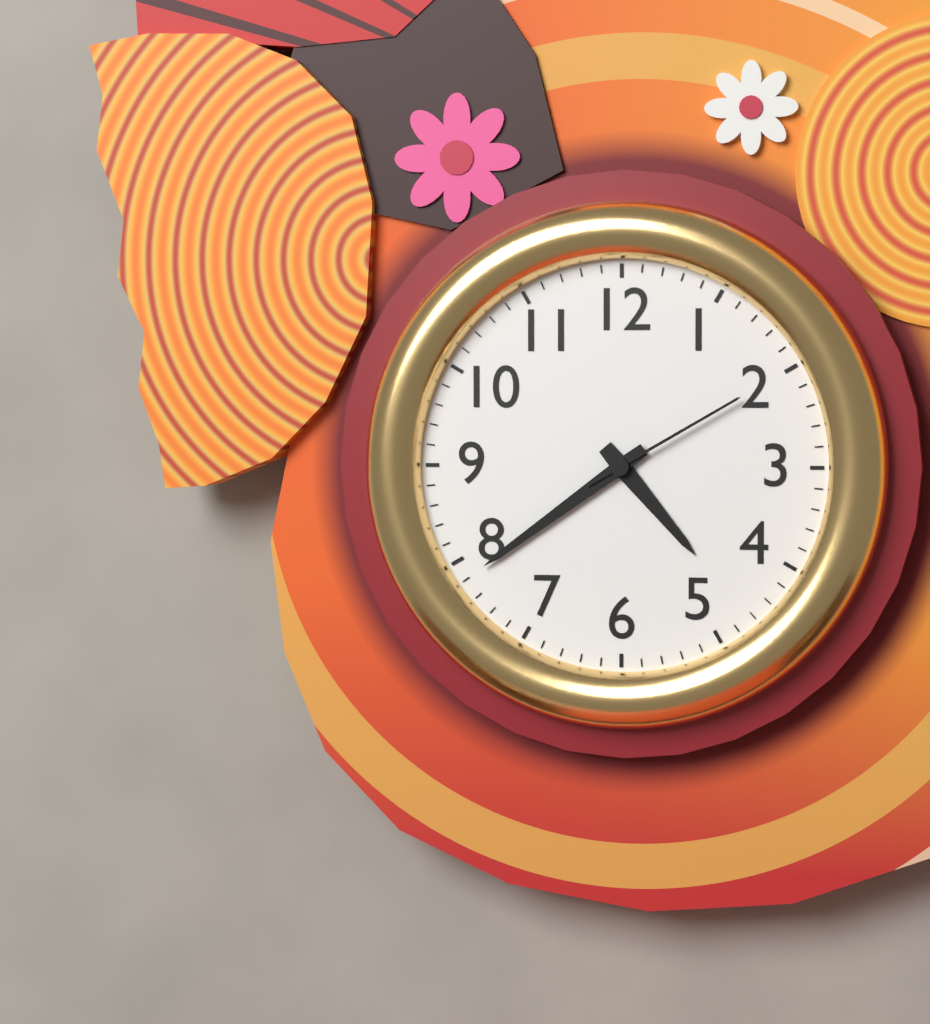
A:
h=4 m=39 s=10
